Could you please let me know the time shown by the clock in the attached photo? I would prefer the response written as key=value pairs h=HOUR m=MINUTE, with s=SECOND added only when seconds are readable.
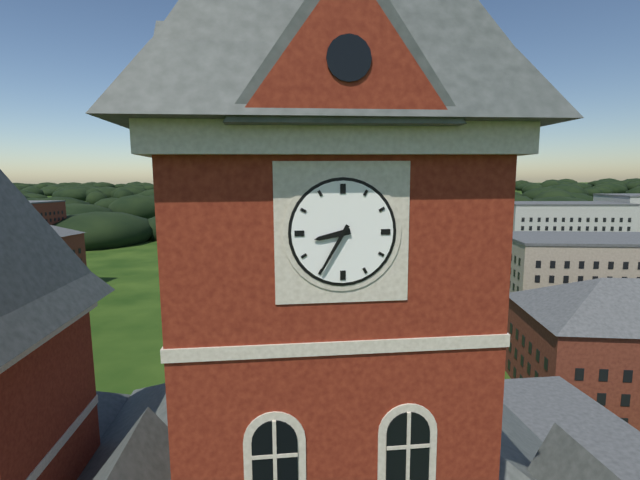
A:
h=8 m=35
